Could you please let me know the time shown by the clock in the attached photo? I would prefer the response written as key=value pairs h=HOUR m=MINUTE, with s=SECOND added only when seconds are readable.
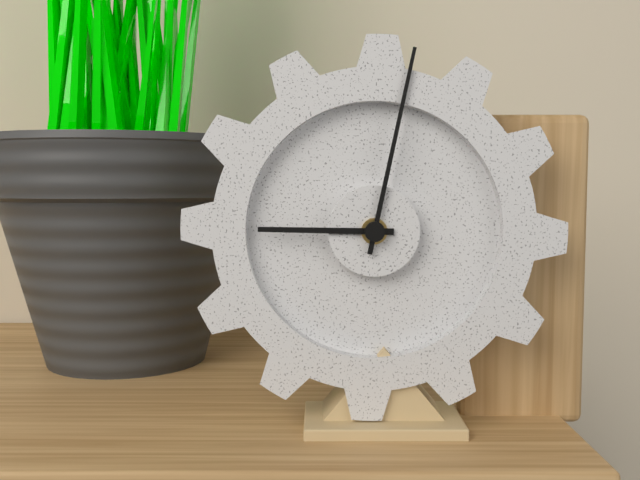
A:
h=9 m=2
